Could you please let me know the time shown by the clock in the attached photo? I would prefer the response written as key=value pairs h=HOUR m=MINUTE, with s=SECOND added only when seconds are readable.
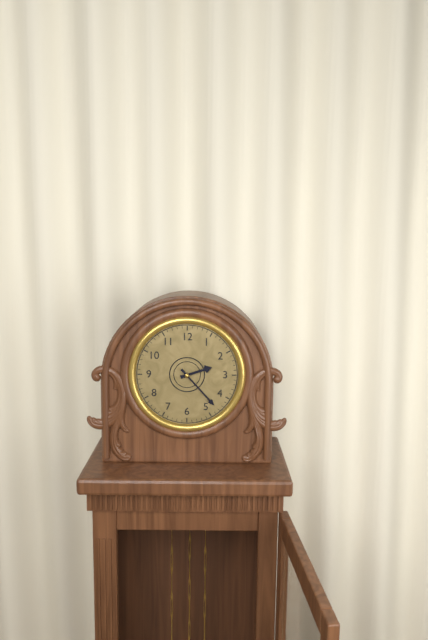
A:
h=2 m=23
